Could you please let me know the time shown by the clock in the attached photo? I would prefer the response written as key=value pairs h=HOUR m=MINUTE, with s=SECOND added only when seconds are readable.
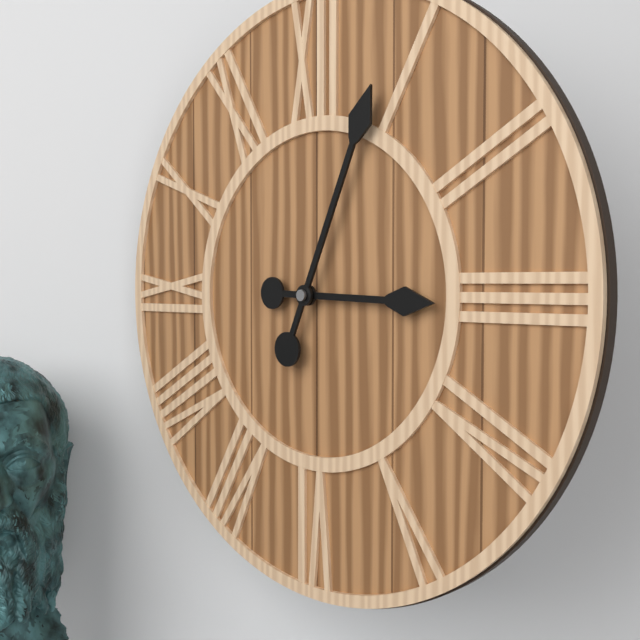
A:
h=3 m=4
